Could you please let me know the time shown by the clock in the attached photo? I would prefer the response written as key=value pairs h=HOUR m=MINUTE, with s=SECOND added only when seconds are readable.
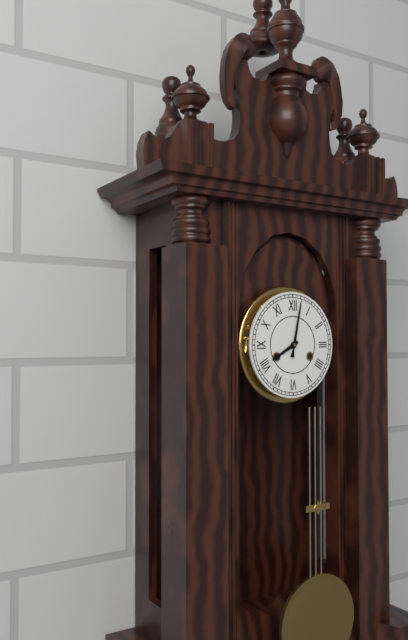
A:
h=8 m=2
